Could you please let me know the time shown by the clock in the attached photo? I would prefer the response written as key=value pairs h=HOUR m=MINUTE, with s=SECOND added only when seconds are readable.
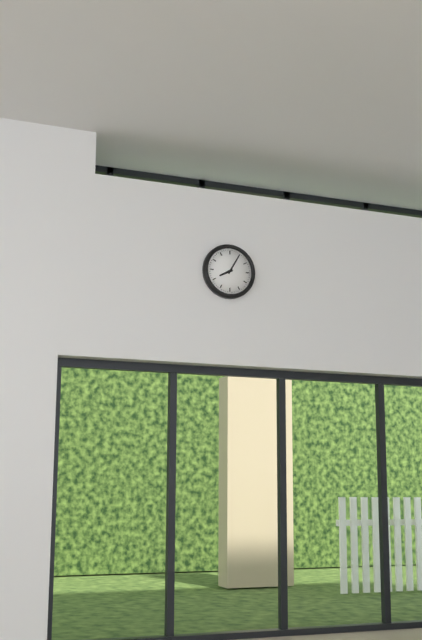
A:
h=8 m=5
